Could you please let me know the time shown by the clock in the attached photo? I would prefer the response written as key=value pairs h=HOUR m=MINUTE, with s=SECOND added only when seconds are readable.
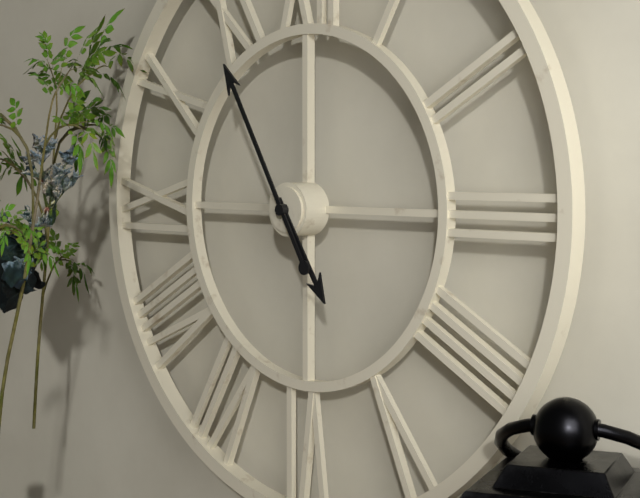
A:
h=4 m=55
